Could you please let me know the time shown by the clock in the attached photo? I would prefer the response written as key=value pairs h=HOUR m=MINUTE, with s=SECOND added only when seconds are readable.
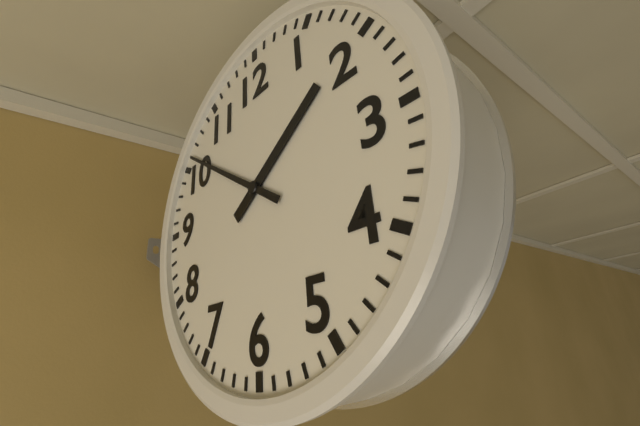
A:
h=1 m=51
